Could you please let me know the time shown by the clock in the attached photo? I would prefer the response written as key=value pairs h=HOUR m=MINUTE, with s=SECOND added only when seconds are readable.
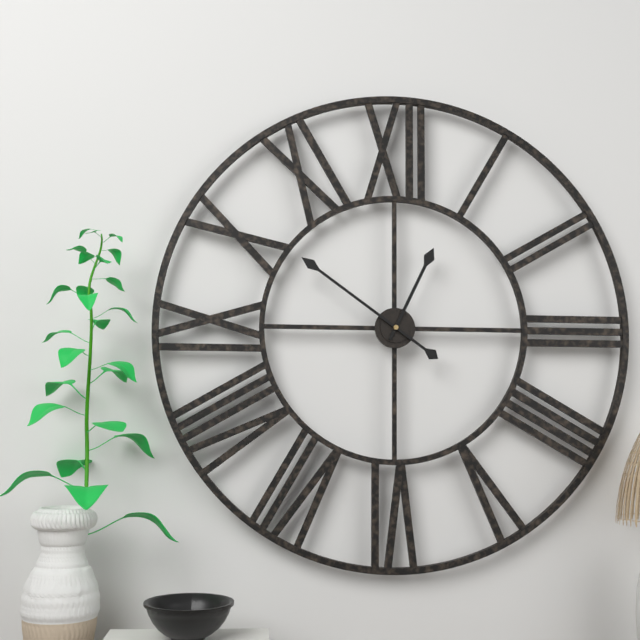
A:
h=12 m=51
